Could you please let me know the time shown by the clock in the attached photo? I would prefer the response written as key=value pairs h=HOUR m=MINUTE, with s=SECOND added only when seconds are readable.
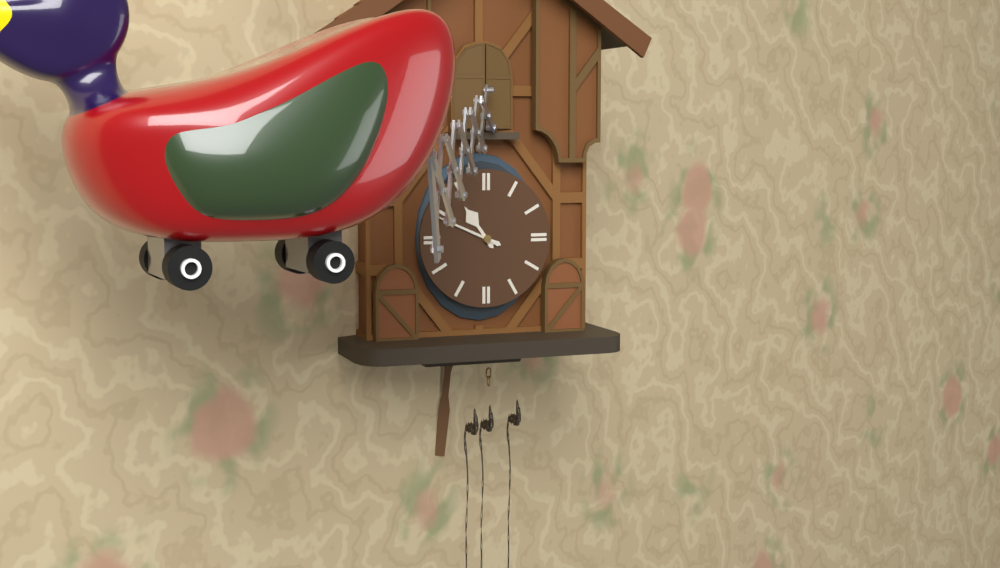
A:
h=10 m=49
